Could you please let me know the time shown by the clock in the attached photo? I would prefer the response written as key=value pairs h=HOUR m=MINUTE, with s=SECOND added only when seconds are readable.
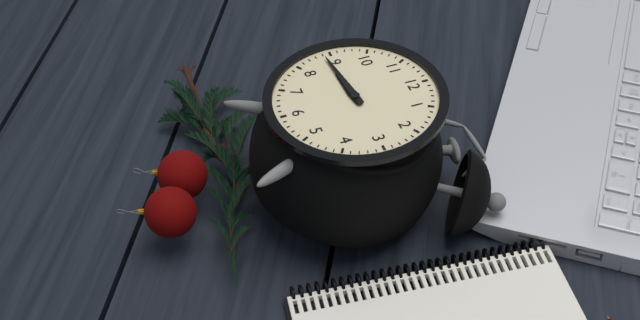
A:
h=8 m=44
